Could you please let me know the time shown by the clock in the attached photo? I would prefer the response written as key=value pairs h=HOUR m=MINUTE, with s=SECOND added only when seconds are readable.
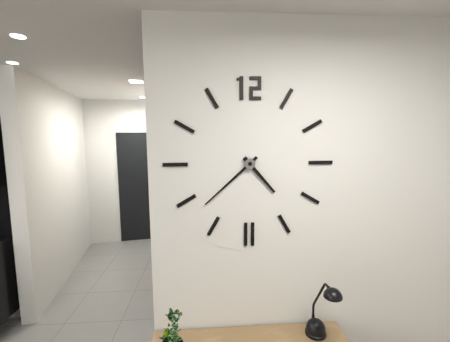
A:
h=4 m=38
